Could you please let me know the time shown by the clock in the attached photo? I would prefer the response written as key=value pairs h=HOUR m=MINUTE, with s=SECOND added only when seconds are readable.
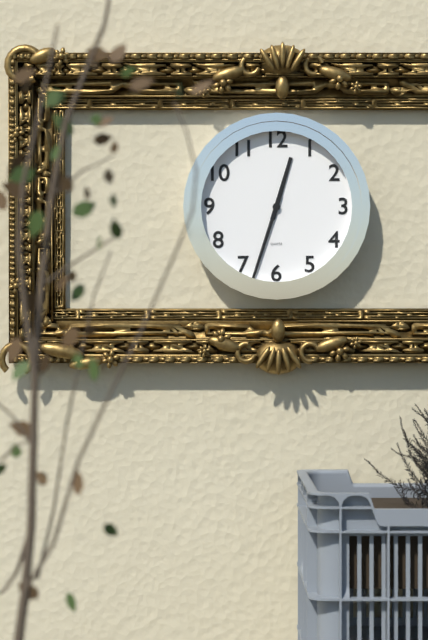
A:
h=12 m=33
